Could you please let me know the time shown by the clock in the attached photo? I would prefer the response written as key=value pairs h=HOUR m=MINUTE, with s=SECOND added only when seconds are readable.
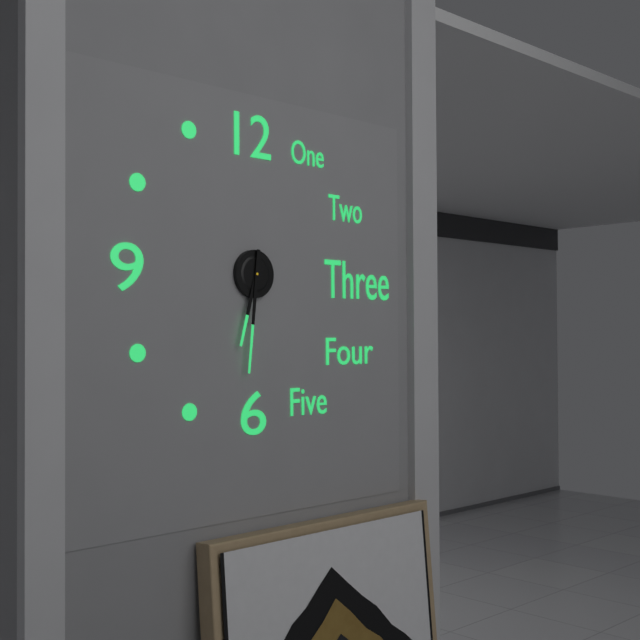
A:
h=6 m=31
